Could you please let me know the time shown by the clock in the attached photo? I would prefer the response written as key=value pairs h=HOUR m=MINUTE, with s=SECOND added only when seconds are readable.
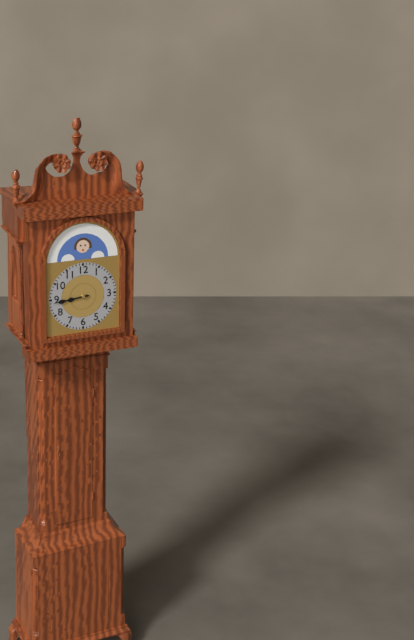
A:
h=8 m=44
